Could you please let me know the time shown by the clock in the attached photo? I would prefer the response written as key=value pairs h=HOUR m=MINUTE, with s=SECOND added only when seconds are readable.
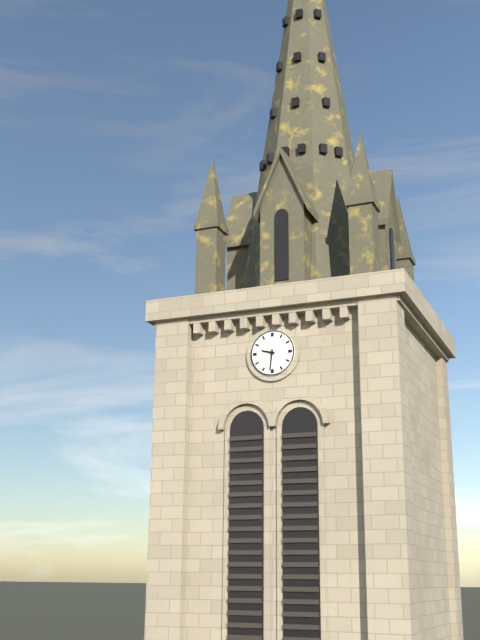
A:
h=9 m=31
